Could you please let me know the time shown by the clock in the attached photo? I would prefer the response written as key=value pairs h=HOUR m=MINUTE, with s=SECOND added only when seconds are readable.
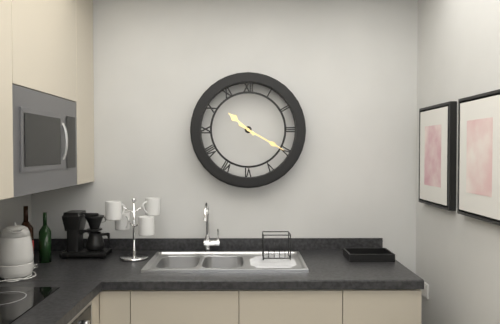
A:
h=10 m=20
